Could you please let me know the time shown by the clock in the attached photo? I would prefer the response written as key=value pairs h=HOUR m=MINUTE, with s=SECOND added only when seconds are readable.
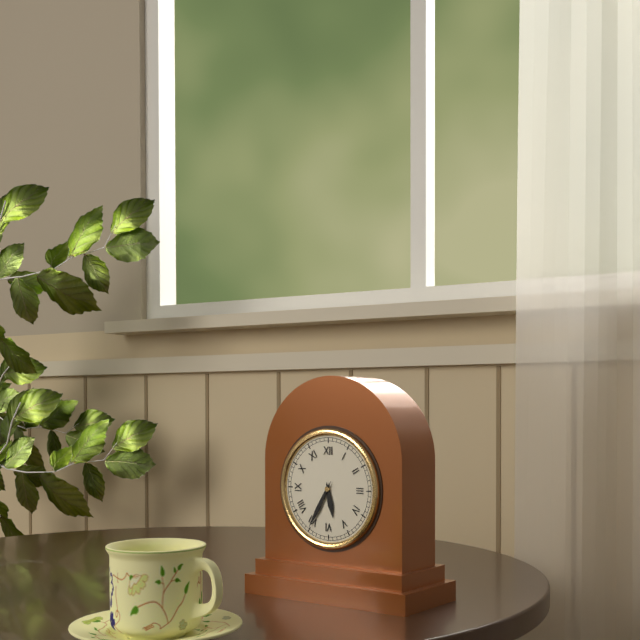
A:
h=5 m=35
